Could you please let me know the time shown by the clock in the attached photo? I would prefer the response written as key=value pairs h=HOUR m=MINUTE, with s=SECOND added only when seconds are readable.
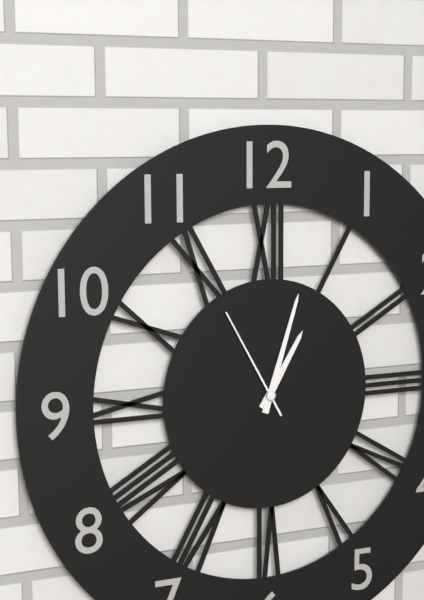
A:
h=1 m=3 s=55
